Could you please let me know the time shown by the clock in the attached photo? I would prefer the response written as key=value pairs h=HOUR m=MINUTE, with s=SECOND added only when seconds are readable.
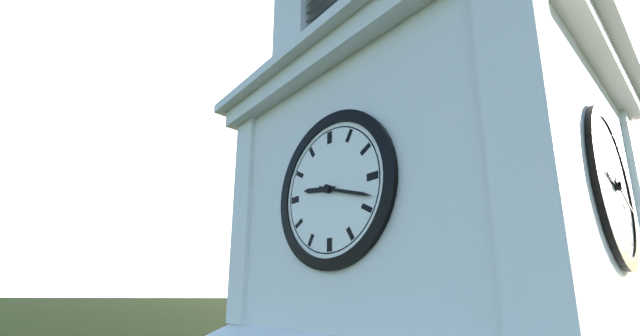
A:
h=9 m=18
